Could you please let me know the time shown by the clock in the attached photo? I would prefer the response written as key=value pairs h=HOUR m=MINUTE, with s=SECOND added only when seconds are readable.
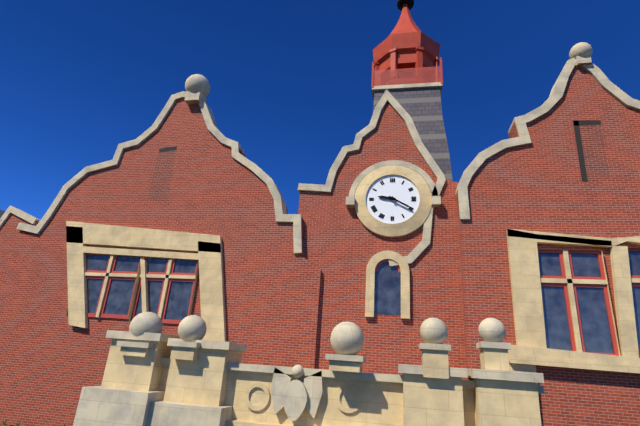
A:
h=9 m=20
